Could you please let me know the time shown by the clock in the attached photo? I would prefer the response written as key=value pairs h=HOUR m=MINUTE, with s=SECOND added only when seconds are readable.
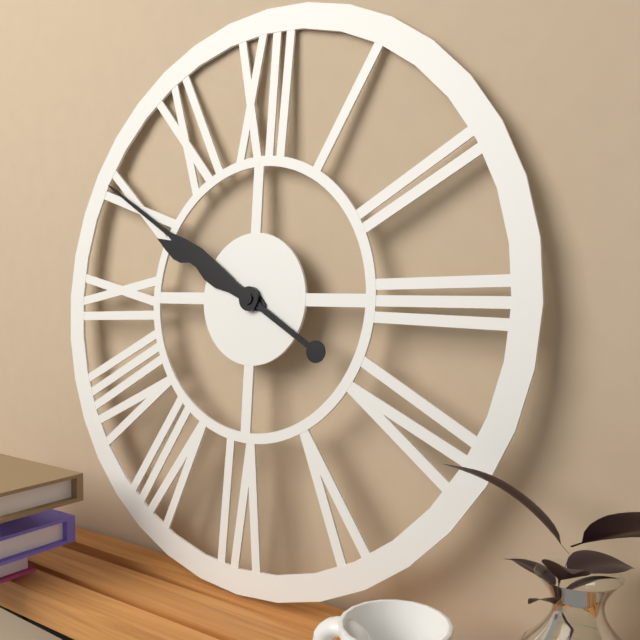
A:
h=9 m=50
